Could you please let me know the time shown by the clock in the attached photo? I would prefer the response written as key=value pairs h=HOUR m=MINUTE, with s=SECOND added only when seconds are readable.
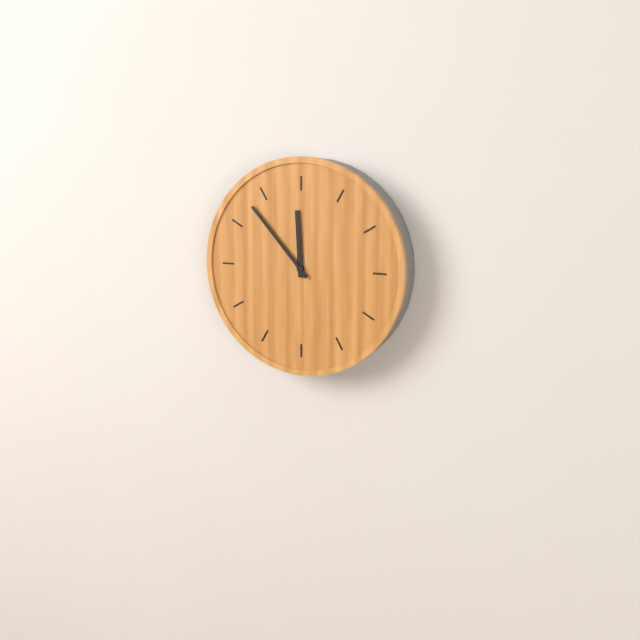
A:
h=11 m=53
